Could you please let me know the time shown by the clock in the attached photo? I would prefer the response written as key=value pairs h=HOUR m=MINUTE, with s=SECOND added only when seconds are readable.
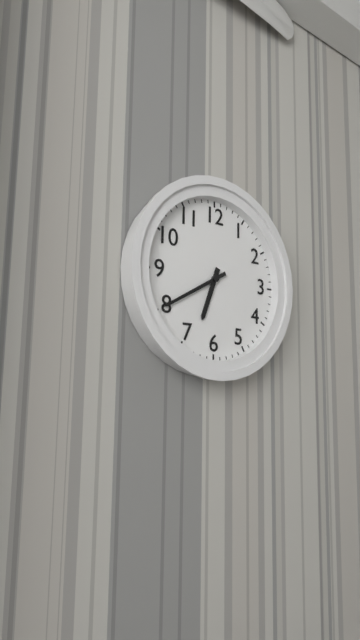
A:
h=6 m=40
